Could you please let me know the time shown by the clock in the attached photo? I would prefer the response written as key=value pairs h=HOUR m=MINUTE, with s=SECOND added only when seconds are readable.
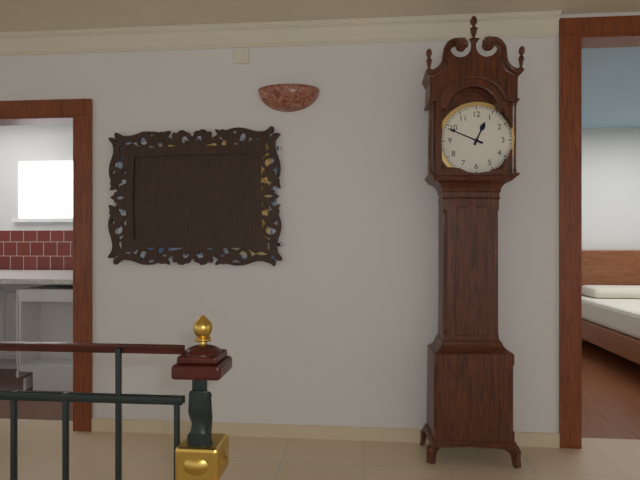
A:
h=12 m=49
